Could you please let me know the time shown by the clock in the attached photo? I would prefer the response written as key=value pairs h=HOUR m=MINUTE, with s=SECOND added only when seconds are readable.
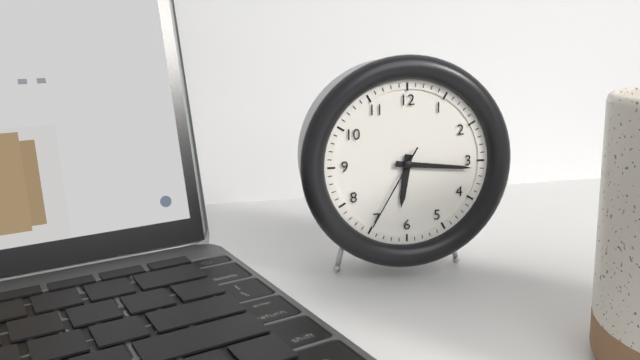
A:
h=6 m=16 s=35
